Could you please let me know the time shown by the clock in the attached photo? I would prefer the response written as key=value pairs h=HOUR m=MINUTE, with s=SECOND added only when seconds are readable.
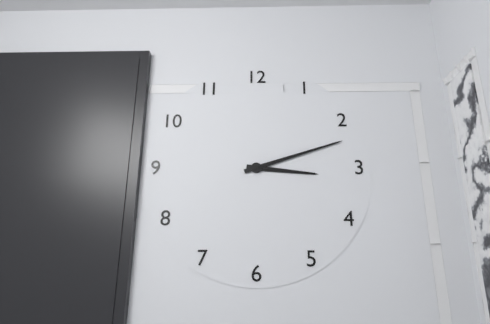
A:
h=3 m=12
